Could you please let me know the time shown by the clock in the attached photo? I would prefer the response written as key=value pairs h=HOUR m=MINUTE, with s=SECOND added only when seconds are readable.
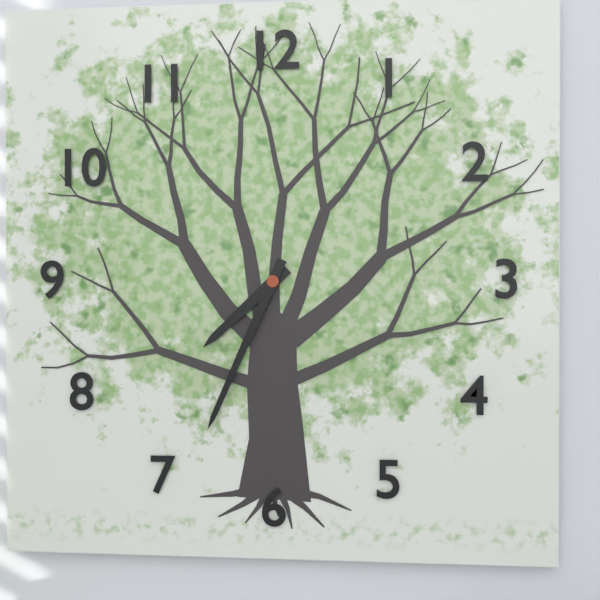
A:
h=7 m=34
